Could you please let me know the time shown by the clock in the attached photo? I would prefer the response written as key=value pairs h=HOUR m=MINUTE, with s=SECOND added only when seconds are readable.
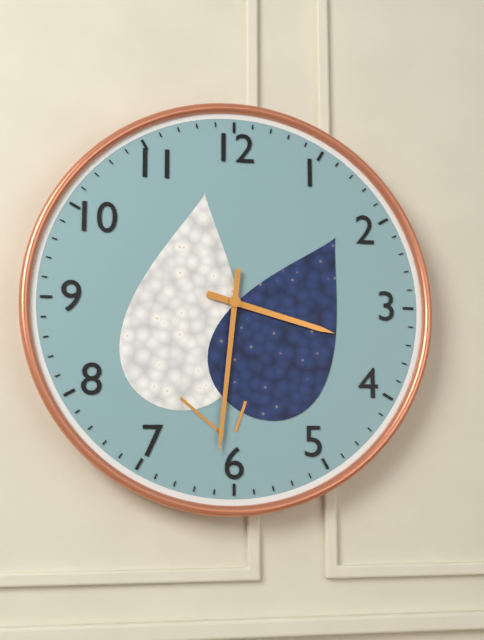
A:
h=3 m=31
